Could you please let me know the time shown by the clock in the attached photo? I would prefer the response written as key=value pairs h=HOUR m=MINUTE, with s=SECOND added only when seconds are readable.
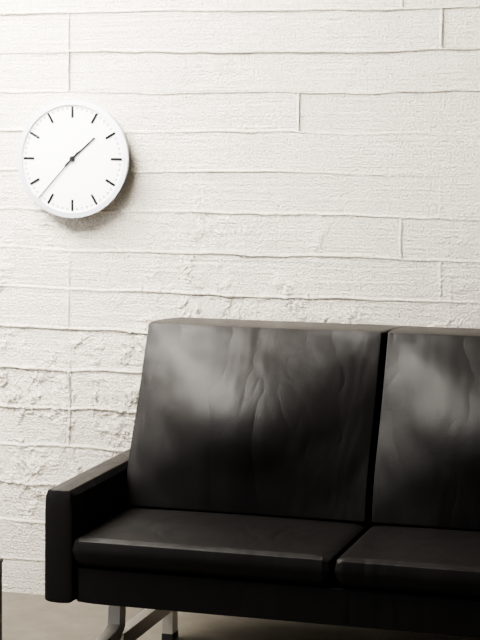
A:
h=1 m=37
